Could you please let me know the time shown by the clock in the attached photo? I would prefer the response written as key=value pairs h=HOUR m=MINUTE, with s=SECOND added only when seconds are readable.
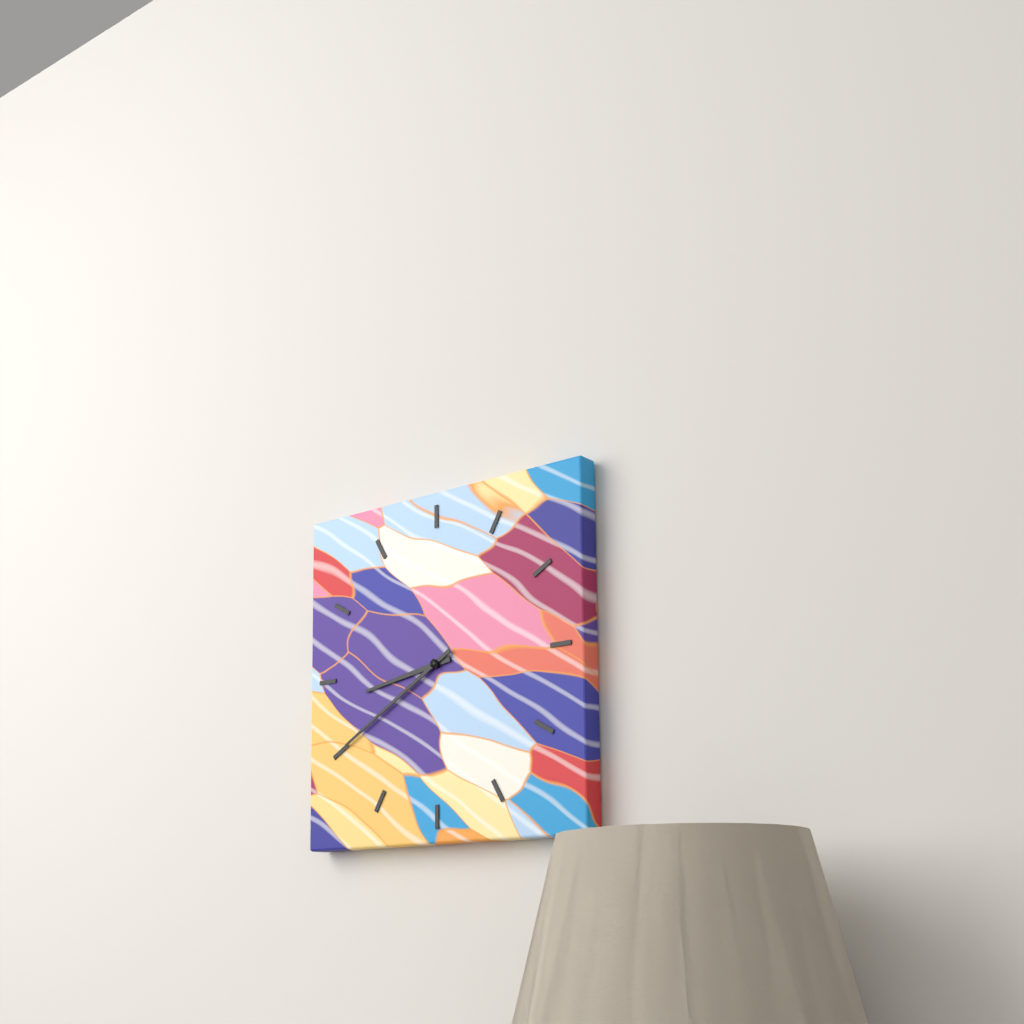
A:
h=8 m=40
